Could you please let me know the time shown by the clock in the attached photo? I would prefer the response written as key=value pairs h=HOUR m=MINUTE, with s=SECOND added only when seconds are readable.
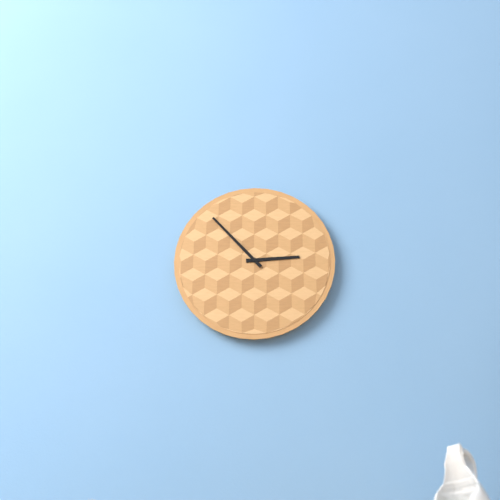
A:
h=2 m=53
